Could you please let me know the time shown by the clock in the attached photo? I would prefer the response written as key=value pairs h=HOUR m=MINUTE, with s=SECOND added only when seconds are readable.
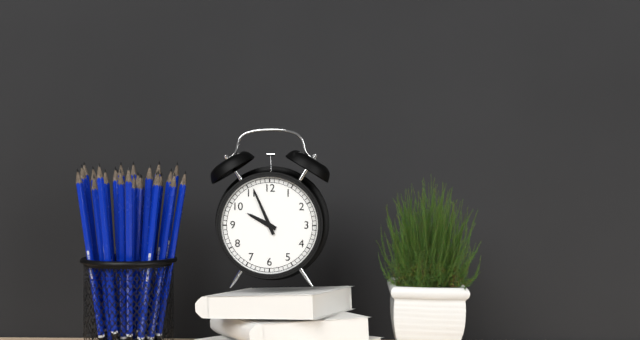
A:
h=9 m=56
